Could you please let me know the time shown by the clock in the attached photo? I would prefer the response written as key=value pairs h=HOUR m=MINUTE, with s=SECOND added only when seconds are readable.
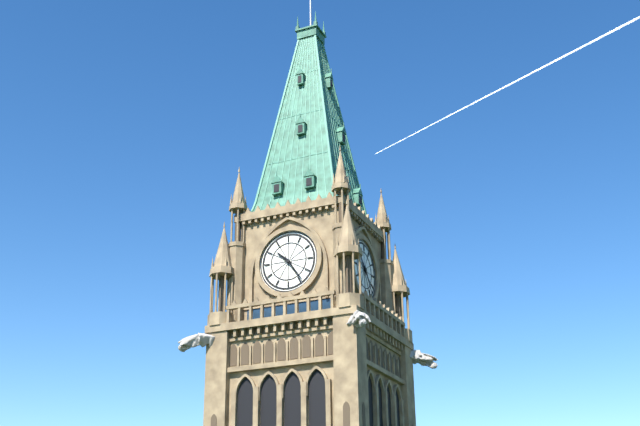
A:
h=10 m=24
